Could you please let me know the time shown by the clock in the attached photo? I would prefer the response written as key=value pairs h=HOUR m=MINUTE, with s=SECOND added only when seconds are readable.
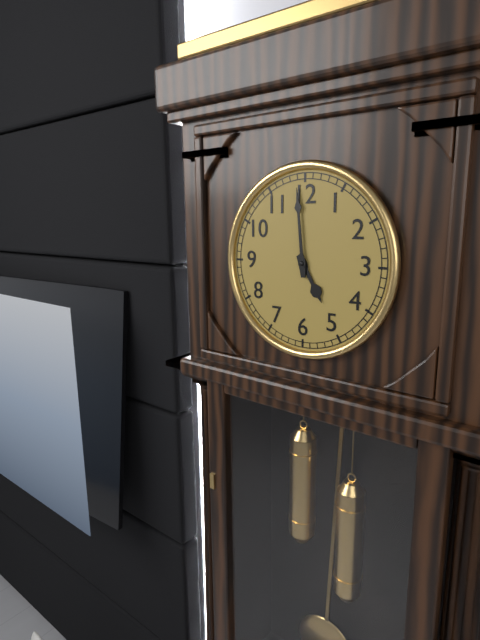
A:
h=4 m=59
